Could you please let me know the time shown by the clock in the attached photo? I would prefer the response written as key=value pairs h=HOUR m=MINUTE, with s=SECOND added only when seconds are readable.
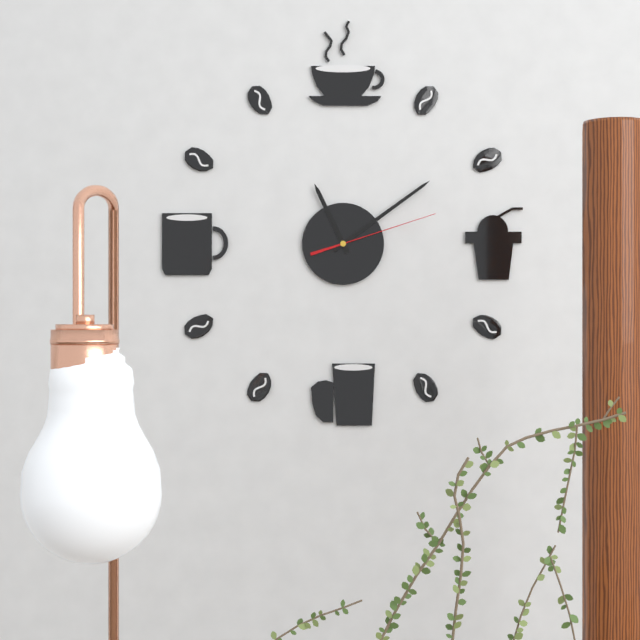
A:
h=11 m=9 s=12
